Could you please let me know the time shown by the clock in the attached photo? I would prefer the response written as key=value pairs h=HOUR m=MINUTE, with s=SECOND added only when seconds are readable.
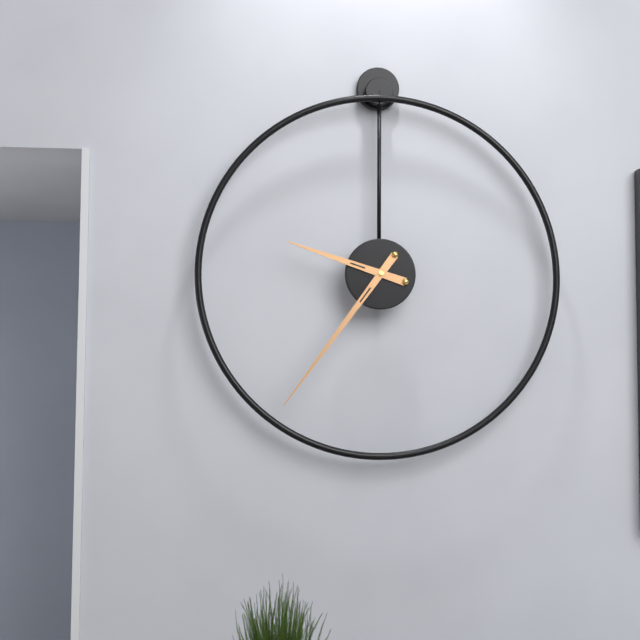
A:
h=9 m=36
